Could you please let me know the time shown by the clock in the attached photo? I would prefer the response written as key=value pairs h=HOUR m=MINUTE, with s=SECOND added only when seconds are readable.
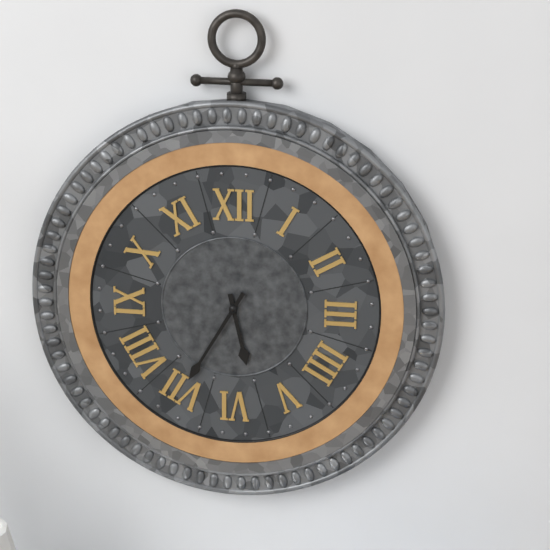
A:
h=5 m=35
